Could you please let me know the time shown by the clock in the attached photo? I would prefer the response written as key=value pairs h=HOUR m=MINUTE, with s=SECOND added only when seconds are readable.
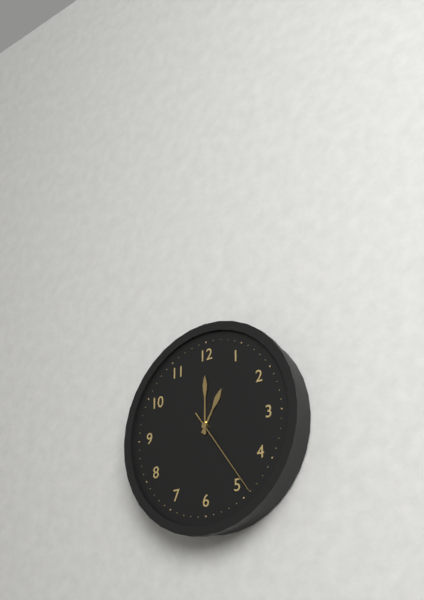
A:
h=1 m=0 s=24
